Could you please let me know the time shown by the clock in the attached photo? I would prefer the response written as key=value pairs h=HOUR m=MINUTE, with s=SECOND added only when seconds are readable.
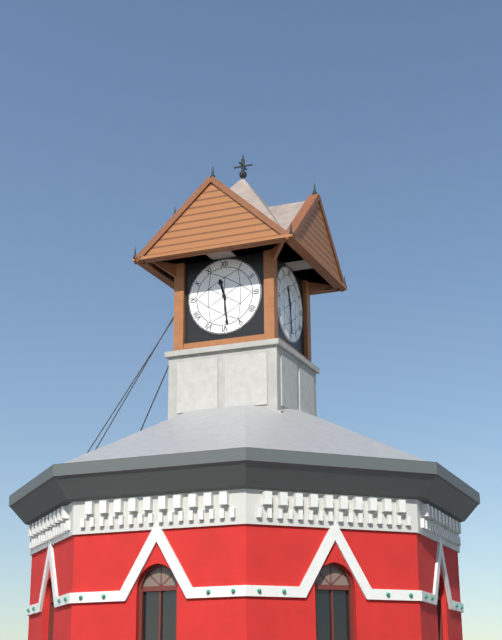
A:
h=11 m=29
